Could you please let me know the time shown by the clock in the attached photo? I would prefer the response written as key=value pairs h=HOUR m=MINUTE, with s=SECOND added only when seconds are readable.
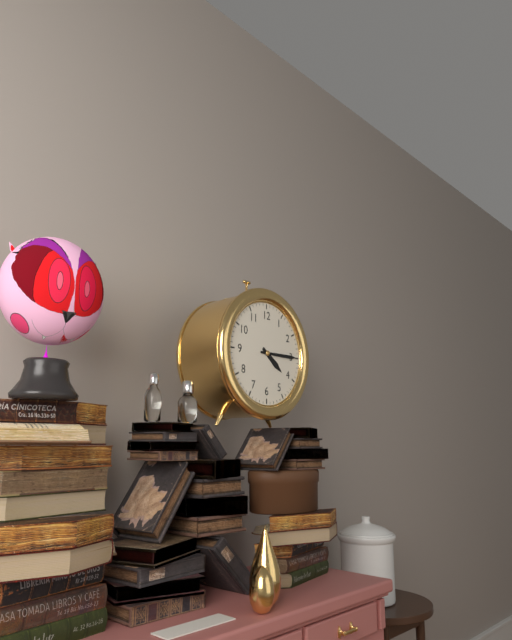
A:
h=4 m=15
